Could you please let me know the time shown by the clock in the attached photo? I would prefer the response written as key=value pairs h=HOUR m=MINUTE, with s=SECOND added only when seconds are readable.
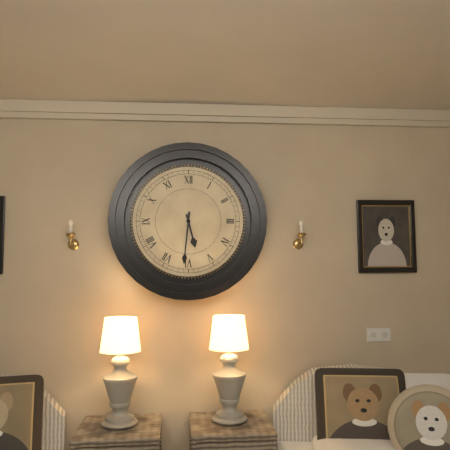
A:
h=5 m=31
